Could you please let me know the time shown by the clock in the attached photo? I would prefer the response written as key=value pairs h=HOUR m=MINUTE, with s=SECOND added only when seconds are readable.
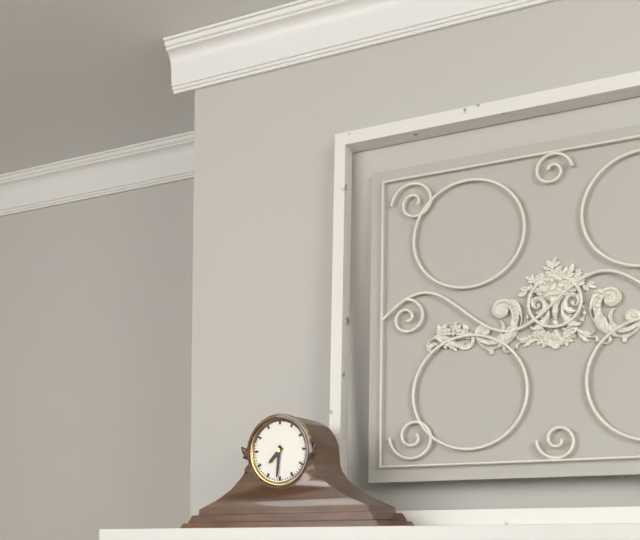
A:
h=7 m=31
